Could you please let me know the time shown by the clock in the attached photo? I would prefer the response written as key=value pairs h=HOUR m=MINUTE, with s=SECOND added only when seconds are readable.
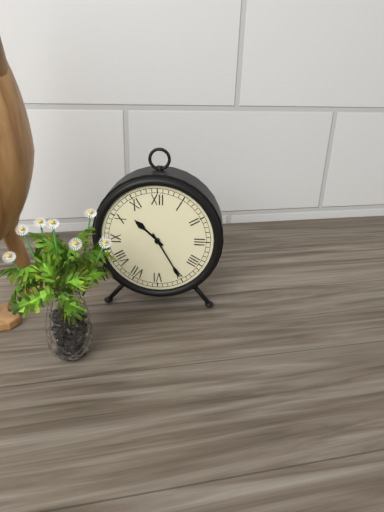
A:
h=10 m=25
